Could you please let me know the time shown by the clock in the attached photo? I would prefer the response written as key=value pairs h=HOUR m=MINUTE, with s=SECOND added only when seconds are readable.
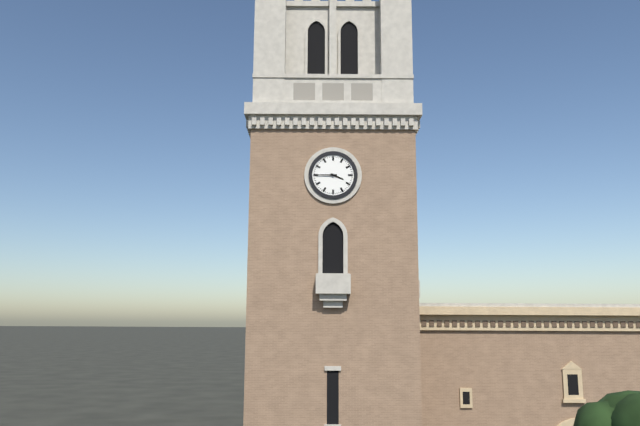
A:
h=3 m=45
